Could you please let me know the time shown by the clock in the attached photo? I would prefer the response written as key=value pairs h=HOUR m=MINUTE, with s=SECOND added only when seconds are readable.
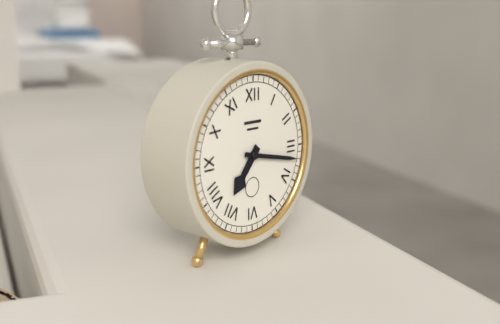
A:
h=7 m=17
